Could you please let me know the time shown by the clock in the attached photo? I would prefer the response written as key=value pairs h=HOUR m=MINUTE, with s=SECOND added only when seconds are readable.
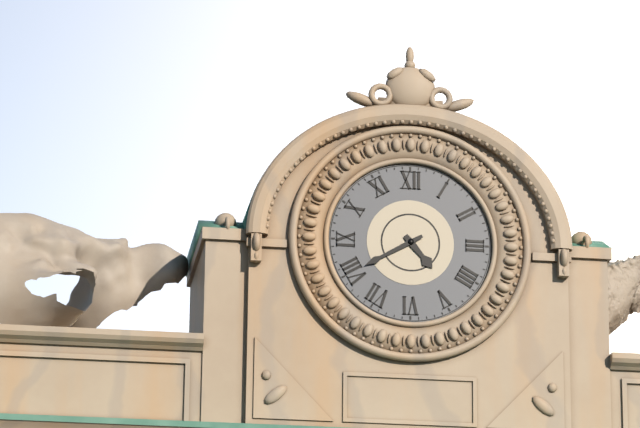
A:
h=4 m=40
